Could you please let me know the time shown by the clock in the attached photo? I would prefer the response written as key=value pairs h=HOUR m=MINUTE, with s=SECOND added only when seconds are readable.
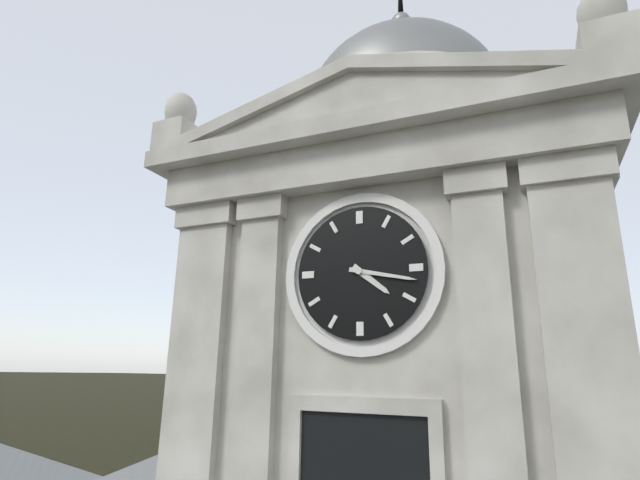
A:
h=4 m=17
